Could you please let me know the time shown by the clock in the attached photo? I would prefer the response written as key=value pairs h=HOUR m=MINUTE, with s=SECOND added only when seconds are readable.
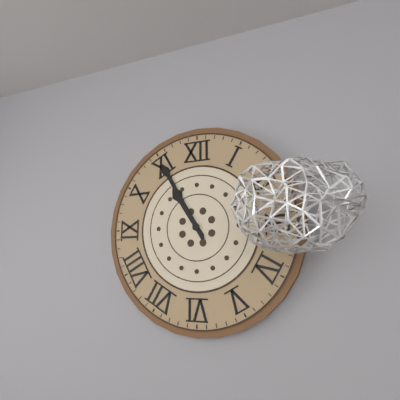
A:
h=10 m=55
